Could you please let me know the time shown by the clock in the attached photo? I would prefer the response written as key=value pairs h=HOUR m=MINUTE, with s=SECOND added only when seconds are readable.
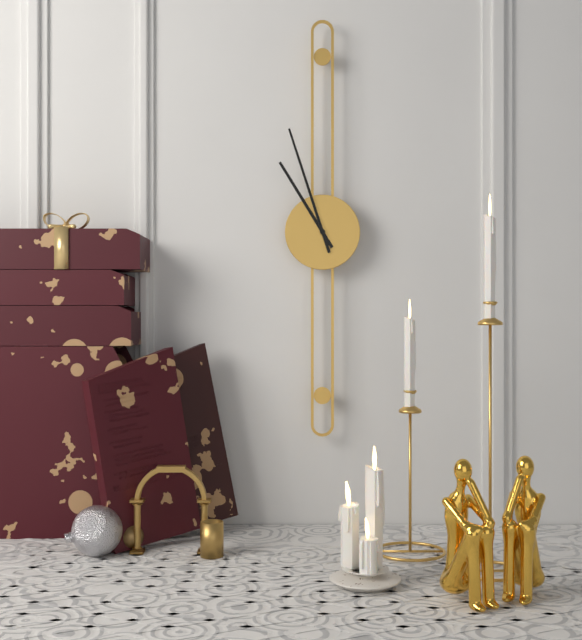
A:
h=10 m=57
